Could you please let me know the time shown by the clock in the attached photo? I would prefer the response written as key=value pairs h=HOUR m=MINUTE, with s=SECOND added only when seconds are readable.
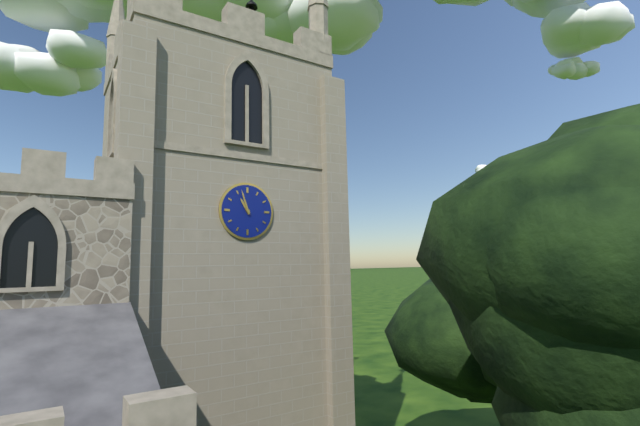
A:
h=10 m=57
